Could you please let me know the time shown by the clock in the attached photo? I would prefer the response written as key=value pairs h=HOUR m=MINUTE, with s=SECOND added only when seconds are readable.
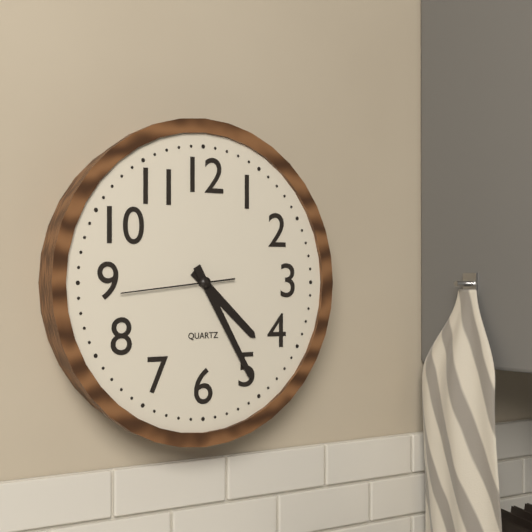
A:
h=4 m=25 s=44
